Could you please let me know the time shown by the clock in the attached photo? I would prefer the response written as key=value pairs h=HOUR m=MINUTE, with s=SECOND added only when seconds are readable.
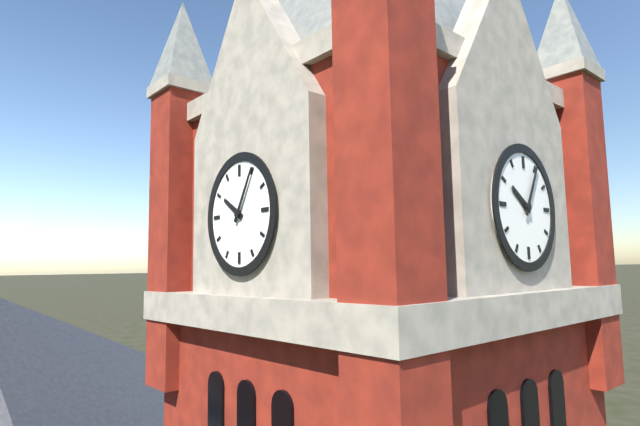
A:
h=10 m=5
